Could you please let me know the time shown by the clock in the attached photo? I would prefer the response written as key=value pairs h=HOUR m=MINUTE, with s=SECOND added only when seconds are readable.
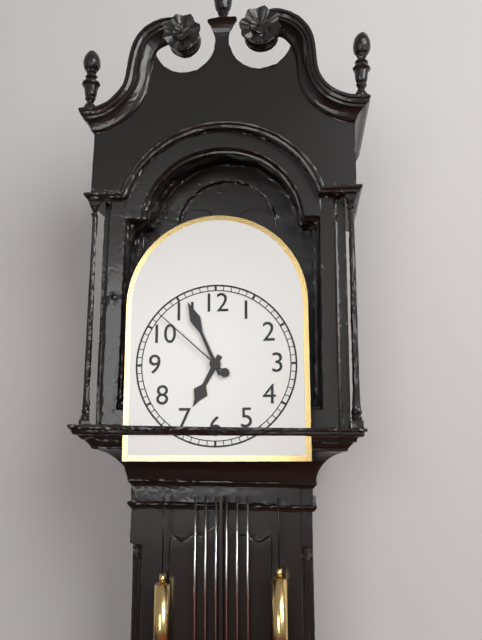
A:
h=6 m=56 s=52
